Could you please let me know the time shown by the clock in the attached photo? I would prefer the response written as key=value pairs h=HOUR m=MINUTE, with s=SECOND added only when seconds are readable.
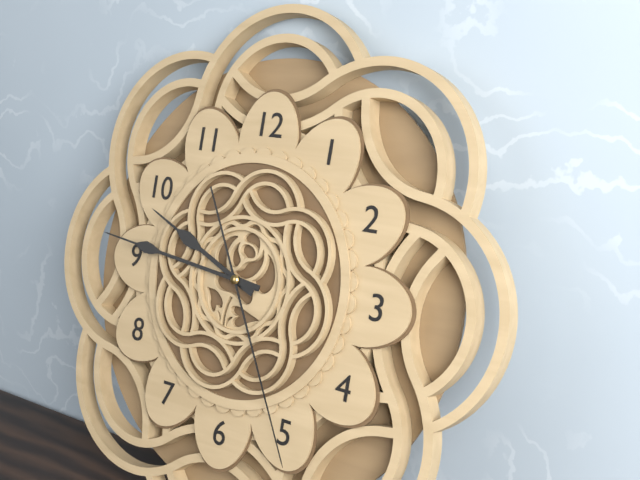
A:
h=9 m=46 s=25
